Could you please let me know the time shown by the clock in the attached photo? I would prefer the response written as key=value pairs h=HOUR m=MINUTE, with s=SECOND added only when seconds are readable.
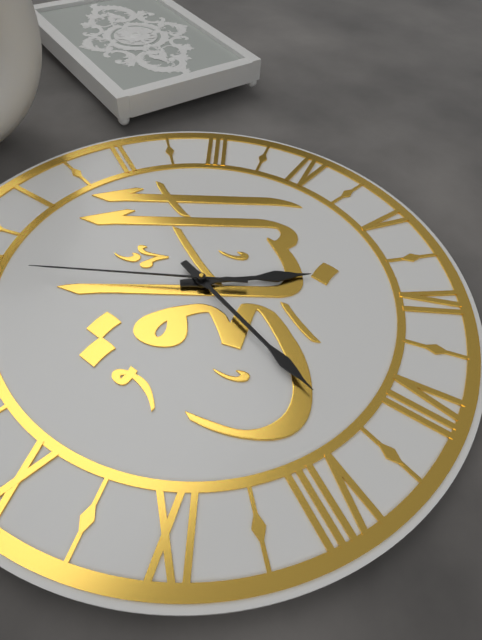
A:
h=5 m=38 s=0
